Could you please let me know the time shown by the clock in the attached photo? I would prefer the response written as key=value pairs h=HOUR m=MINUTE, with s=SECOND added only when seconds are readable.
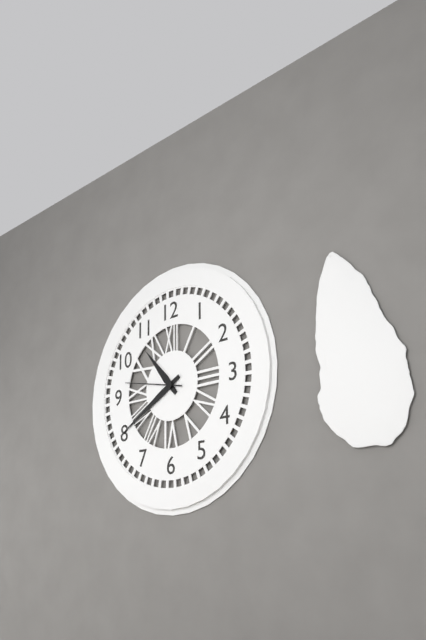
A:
h=10 m=40 s=47
